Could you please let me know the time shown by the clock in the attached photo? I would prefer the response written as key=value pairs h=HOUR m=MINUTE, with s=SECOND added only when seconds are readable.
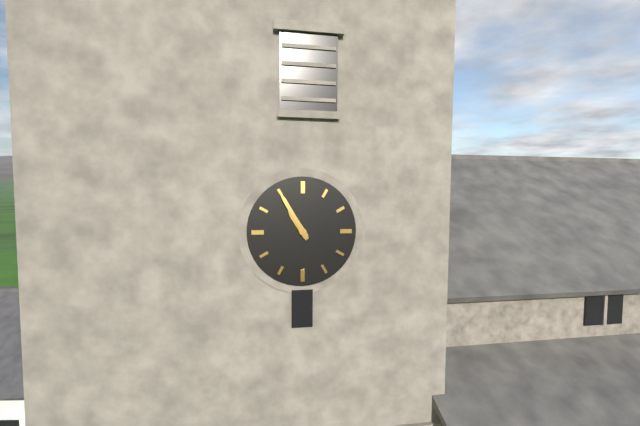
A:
h=10 m=55
